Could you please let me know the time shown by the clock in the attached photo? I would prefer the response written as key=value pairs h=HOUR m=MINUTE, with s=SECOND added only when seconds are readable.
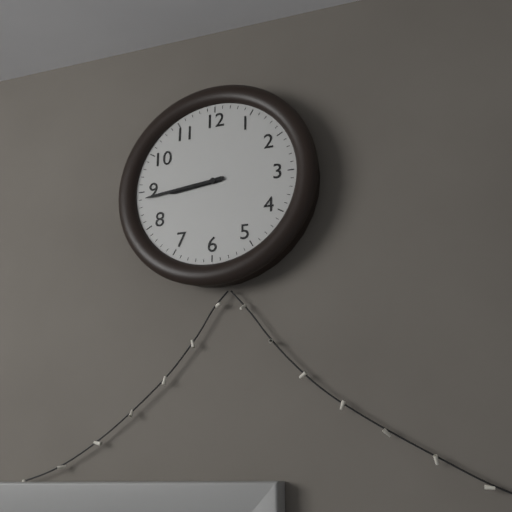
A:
h=8 m=44
